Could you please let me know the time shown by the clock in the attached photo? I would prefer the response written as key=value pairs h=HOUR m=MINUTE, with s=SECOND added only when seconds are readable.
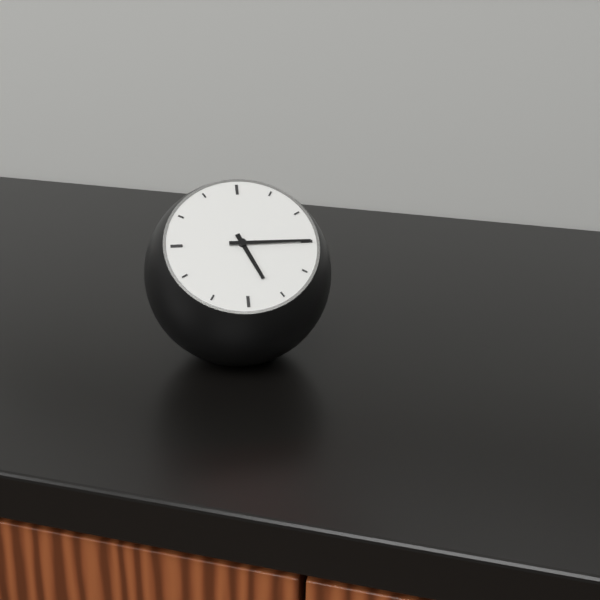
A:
h=5 m=15
